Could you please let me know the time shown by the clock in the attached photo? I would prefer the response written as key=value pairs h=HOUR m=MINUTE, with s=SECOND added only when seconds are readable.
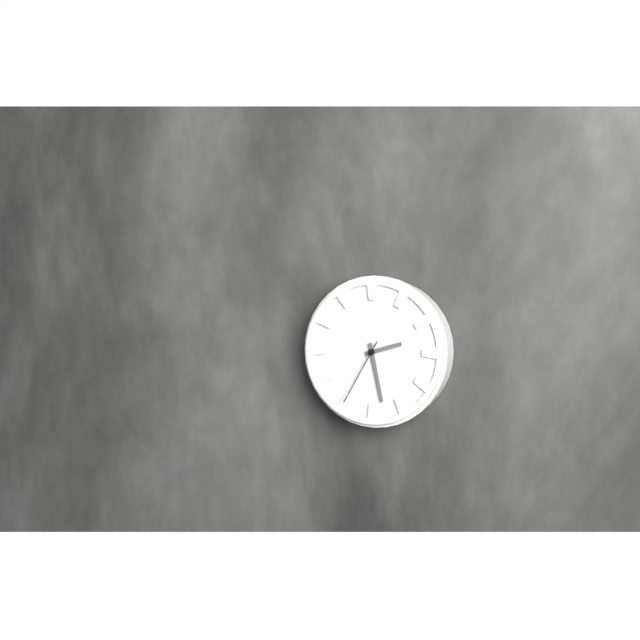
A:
h=2 m=28 s=35
